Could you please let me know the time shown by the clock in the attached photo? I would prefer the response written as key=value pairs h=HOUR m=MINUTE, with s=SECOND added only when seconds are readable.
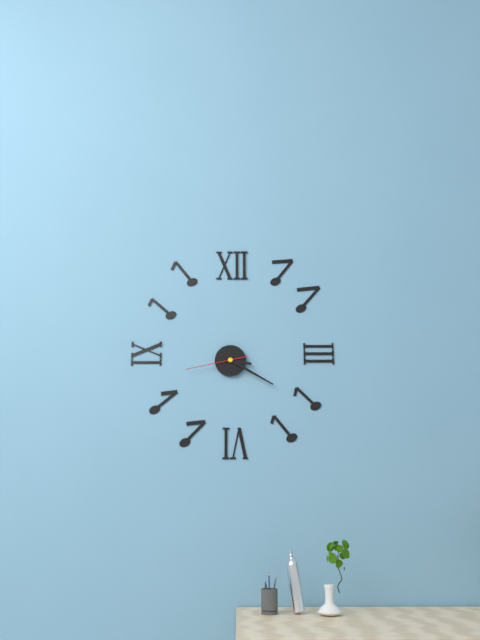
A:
h=3 m=20 s=43
